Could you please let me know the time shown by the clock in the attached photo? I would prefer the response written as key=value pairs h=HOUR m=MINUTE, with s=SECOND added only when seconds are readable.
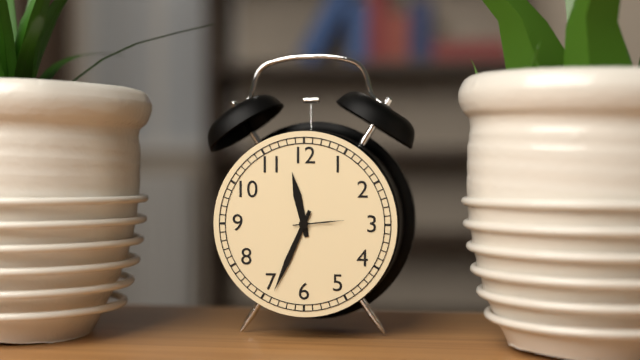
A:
h=11 m=34 s=14
